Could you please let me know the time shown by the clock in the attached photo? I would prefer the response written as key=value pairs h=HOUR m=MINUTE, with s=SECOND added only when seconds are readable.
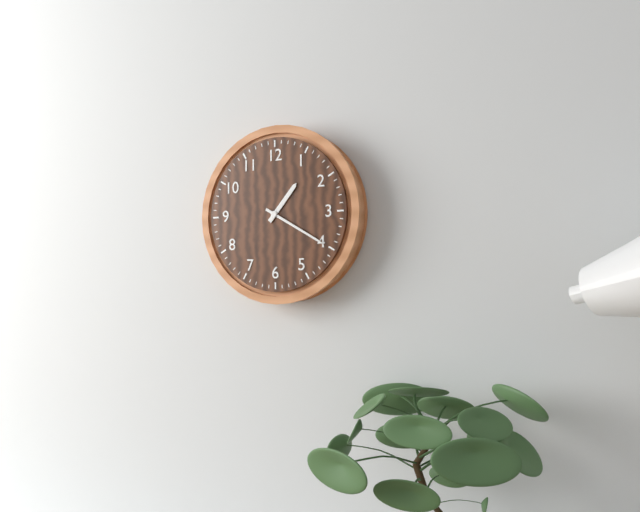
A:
h=1 m=20
